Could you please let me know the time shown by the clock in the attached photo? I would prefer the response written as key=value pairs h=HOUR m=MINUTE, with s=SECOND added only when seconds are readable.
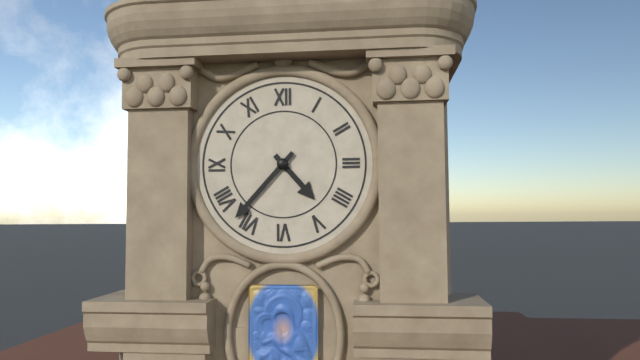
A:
h=4 m=37
